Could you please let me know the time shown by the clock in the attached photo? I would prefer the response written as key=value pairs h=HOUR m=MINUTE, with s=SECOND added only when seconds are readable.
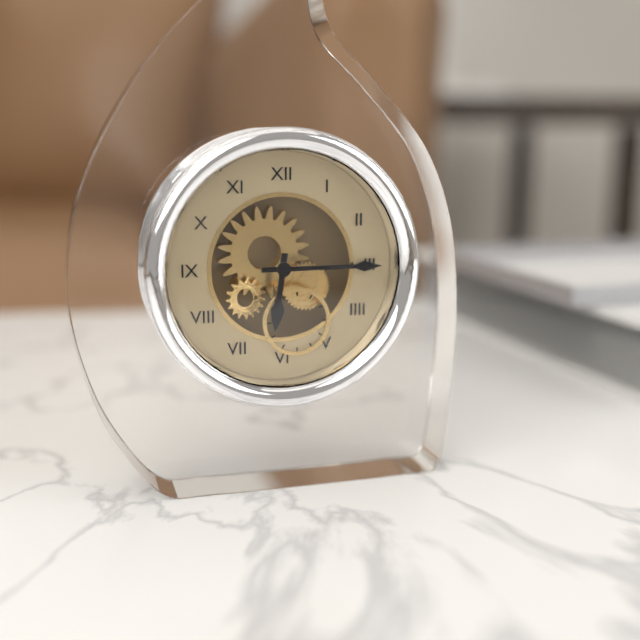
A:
h=6 m=15
